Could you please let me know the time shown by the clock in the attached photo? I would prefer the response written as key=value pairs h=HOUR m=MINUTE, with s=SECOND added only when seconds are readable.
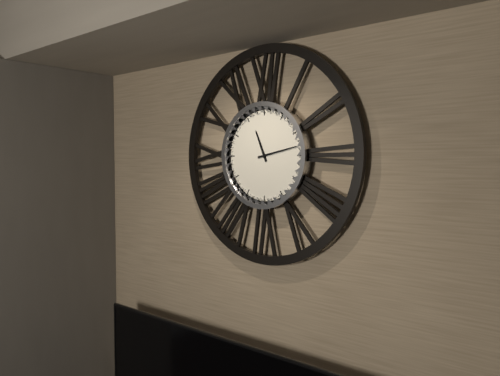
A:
h=11 m=13
